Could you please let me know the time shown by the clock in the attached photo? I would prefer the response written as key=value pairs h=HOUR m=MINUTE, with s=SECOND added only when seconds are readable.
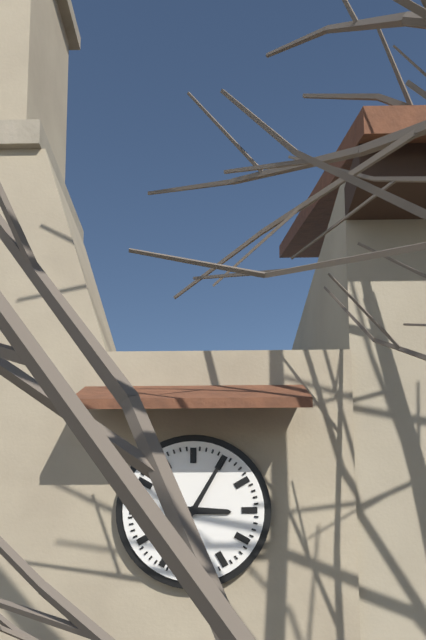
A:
h=3 m=5
